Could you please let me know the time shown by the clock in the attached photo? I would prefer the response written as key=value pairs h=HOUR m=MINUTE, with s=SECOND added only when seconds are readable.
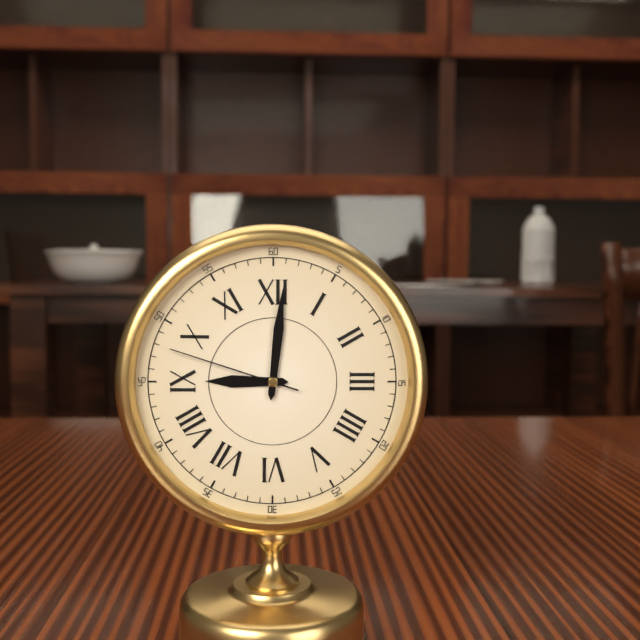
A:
h=9 m=1 s=48
